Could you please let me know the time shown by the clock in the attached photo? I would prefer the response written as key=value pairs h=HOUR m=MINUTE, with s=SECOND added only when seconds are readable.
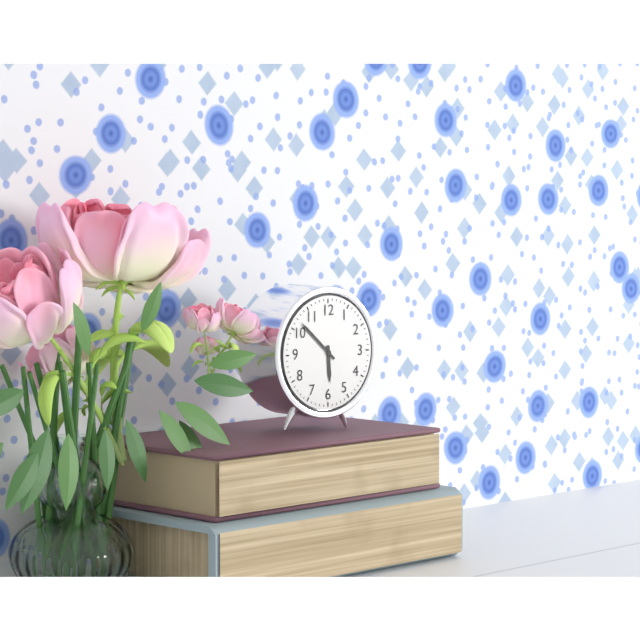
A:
h=5 m=52
